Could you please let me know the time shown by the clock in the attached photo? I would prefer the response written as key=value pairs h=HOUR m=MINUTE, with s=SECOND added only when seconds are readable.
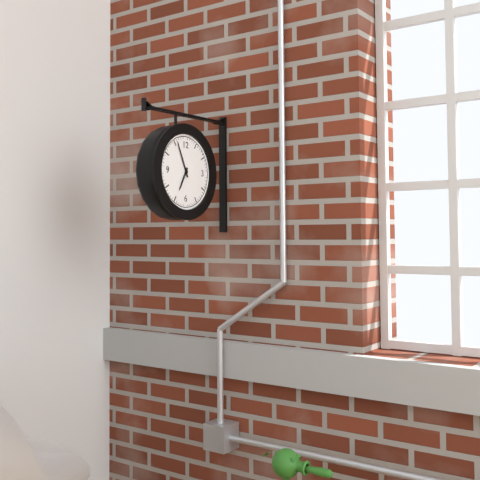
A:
h=6 m=56
